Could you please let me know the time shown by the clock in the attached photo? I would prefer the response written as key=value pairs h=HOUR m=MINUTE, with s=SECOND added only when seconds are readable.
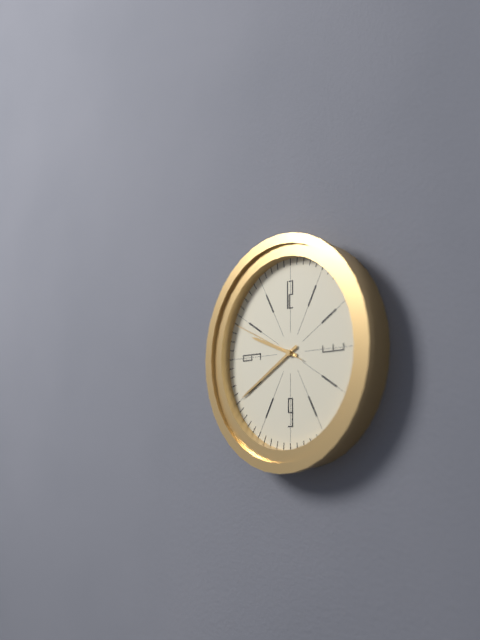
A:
h=9 m=40 s=49
